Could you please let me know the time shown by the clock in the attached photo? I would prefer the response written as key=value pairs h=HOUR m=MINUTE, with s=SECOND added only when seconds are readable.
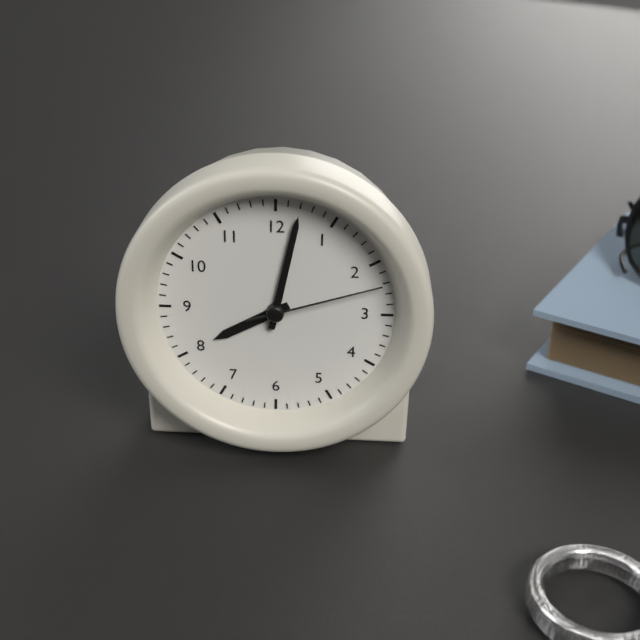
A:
h=8 m=2 s=12
